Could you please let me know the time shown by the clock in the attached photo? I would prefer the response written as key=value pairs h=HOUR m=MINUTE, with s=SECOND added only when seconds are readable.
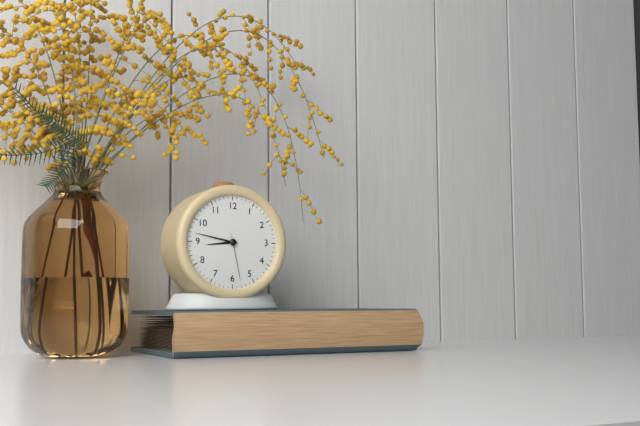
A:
h=8 m=47 s=28
